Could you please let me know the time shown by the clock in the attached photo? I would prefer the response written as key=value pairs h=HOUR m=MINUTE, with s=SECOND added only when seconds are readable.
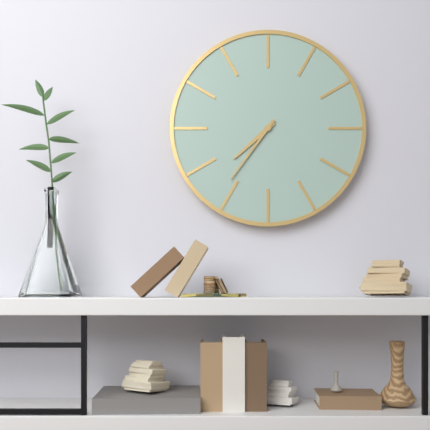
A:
h=7 m=36
